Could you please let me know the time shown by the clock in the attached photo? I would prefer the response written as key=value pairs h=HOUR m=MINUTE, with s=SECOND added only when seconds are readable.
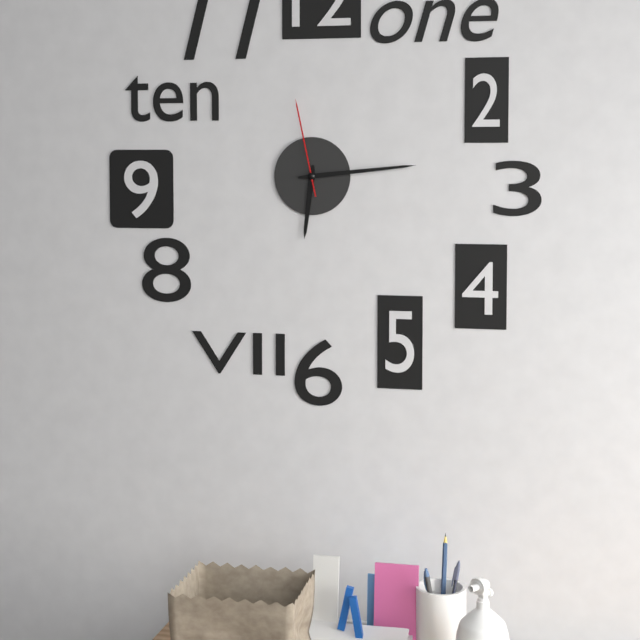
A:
h=6 m=14 s=58
